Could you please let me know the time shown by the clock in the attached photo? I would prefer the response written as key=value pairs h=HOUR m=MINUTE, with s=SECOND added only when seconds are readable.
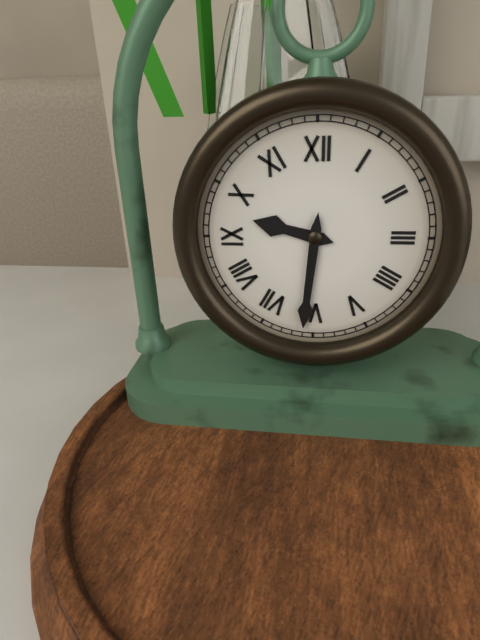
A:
h=9 m=31
